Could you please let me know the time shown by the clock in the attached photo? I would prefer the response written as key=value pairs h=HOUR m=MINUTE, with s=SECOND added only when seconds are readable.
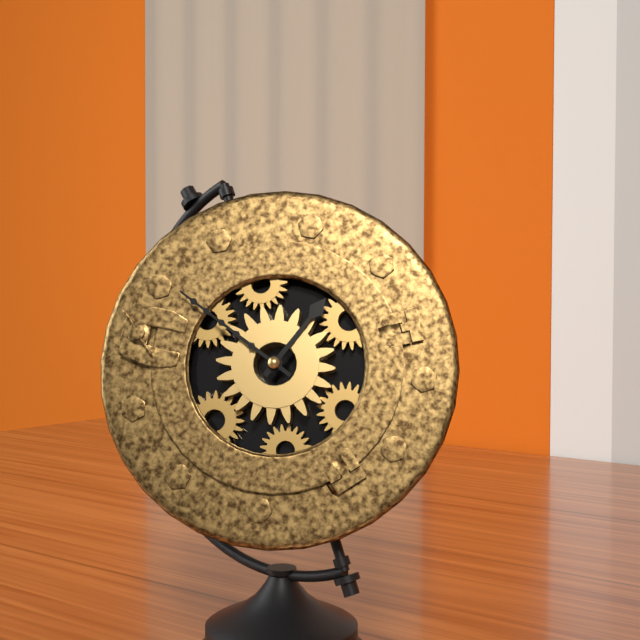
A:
h=12 m=49
